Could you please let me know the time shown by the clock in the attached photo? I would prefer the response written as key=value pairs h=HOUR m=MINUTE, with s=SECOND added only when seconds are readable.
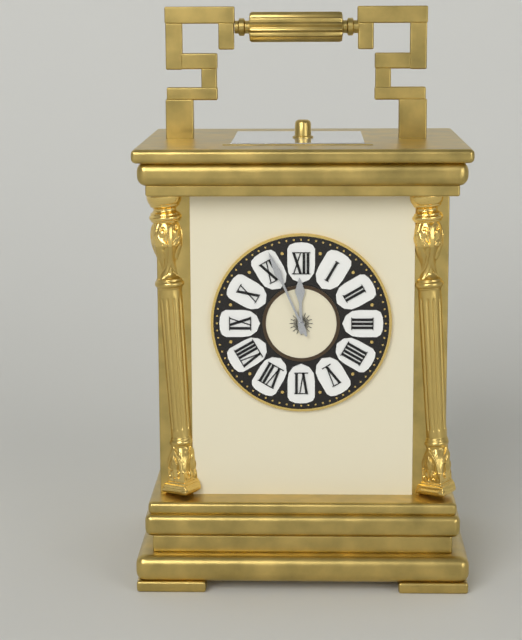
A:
h=11 m=56
